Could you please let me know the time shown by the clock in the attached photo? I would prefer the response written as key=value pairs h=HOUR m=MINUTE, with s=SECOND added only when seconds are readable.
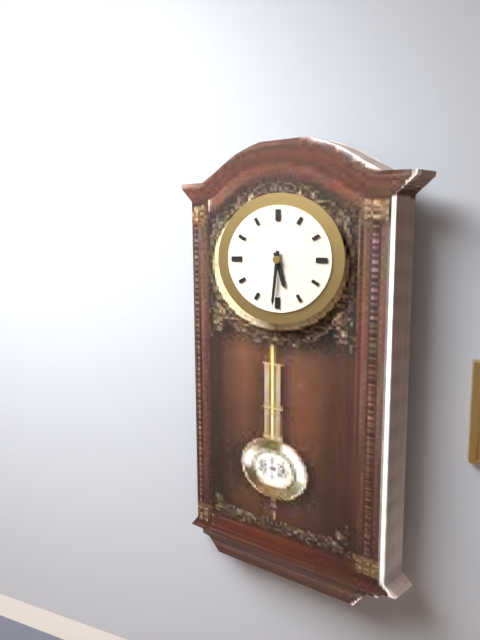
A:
h=5 m=31
